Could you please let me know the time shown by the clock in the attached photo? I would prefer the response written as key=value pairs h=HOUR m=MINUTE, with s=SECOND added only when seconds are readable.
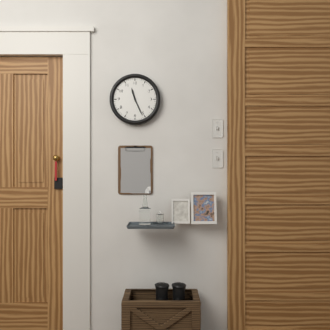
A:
h=11 m=26
